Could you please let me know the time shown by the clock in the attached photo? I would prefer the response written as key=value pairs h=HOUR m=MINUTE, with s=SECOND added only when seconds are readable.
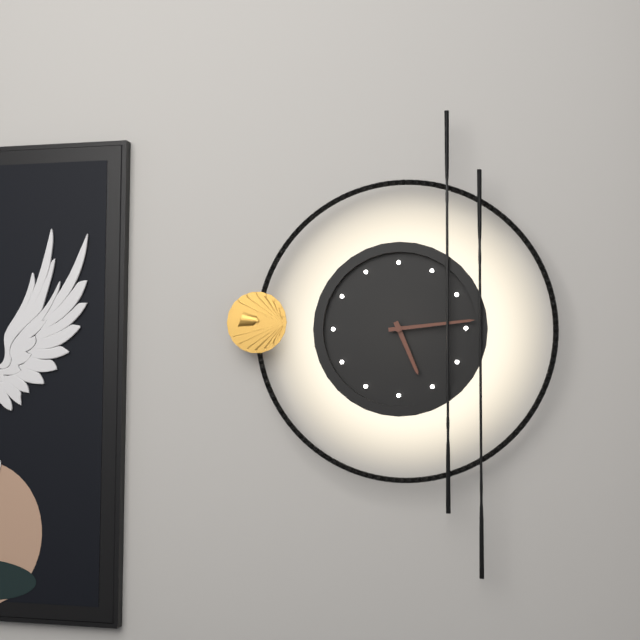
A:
h=5 m=14
